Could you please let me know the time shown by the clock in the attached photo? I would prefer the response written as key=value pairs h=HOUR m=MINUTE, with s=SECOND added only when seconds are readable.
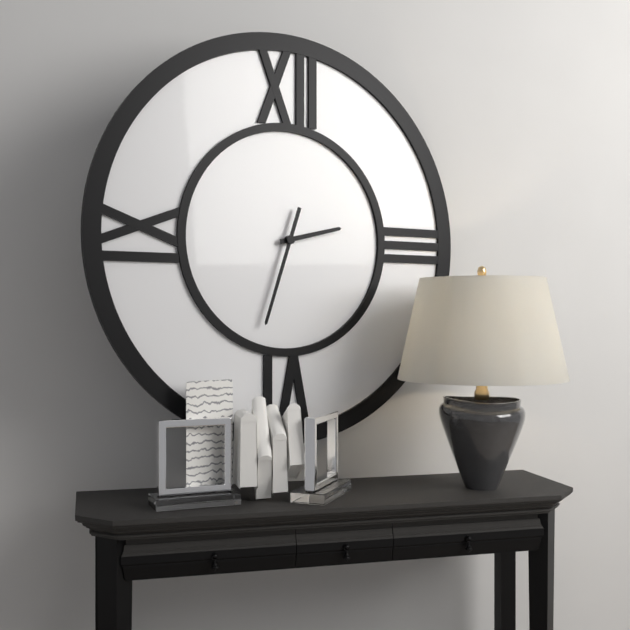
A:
h=2 m=33
